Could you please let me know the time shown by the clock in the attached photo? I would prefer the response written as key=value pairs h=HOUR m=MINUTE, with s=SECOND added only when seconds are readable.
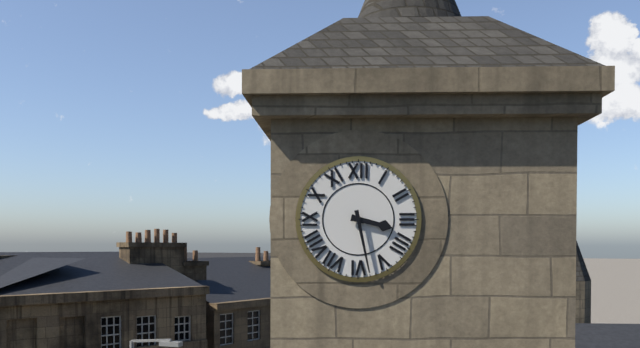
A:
h=3 m=28
